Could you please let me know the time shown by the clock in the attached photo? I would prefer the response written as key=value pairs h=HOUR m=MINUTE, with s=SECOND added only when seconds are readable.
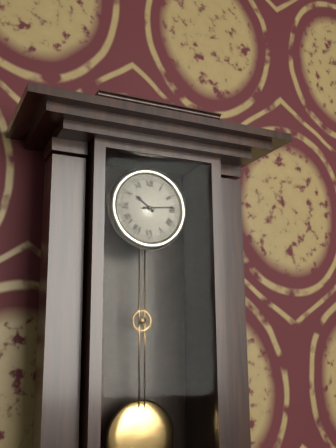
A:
h=10 m=14
